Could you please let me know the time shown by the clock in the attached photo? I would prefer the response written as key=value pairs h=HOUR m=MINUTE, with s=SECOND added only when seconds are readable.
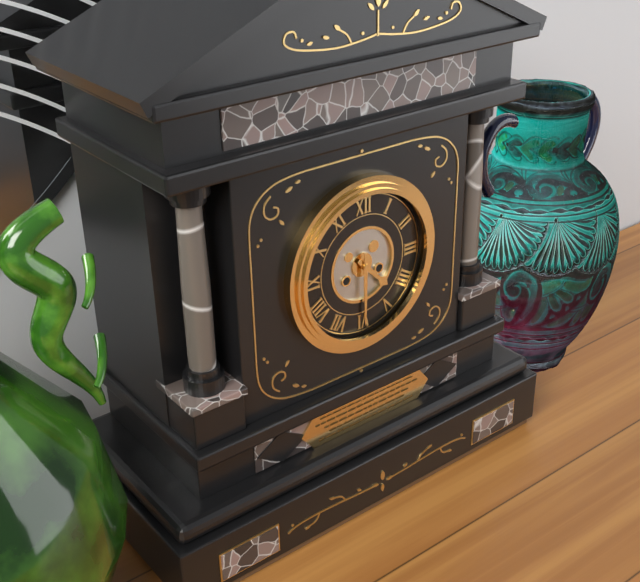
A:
h=4 m=30
